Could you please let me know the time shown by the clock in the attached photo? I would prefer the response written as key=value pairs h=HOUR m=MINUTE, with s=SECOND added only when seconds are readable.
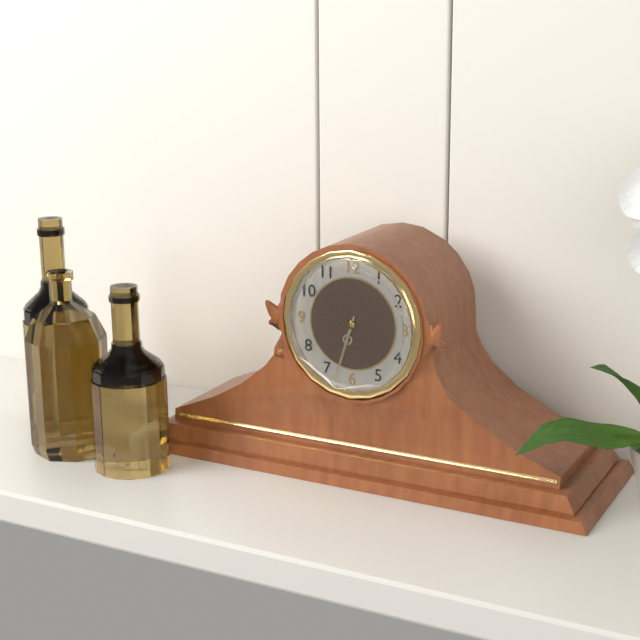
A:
h=6 m=33
